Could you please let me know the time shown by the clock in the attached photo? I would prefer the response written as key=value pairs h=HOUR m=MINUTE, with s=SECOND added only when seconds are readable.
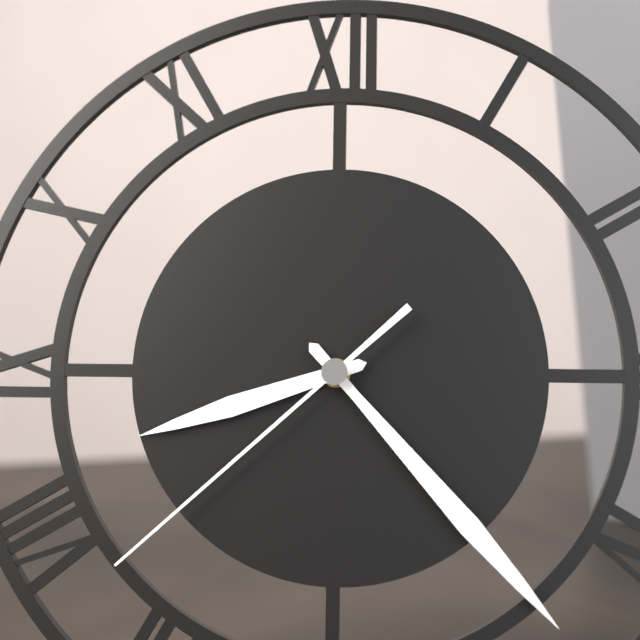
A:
h=8 m=23 s=38
